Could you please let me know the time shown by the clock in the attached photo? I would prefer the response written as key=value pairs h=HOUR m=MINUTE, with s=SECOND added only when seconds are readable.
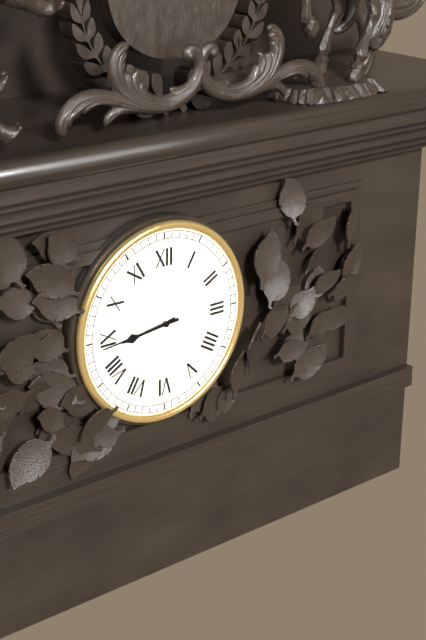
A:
h=8 m=44
